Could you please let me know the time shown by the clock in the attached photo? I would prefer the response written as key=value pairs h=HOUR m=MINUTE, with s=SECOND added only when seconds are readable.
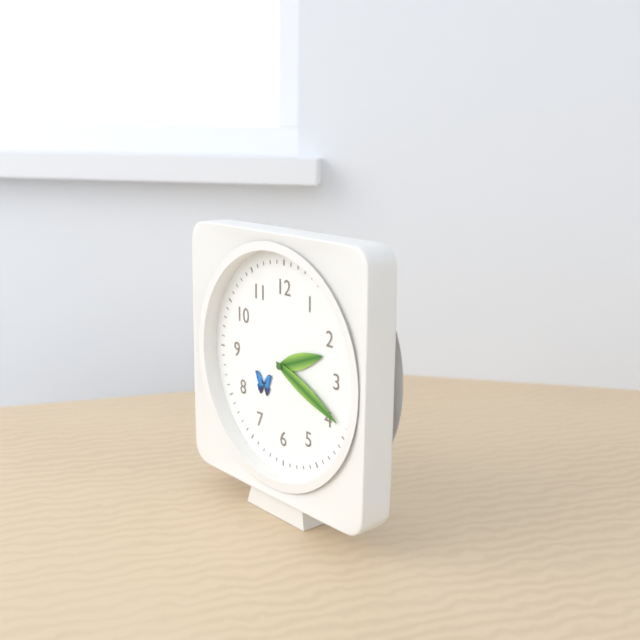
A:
h=2 m=19
